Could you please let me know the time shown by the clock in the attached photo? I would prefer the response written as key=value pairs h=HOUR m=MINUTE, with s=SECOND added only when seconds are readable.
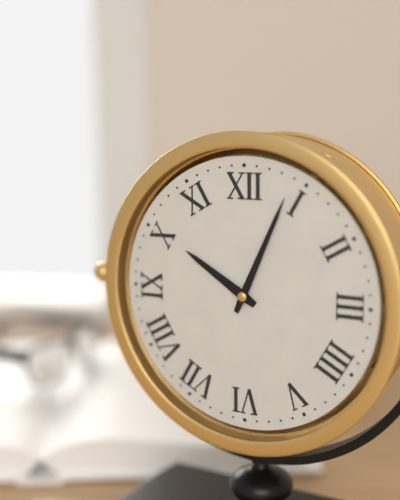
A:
h=10 m=4
